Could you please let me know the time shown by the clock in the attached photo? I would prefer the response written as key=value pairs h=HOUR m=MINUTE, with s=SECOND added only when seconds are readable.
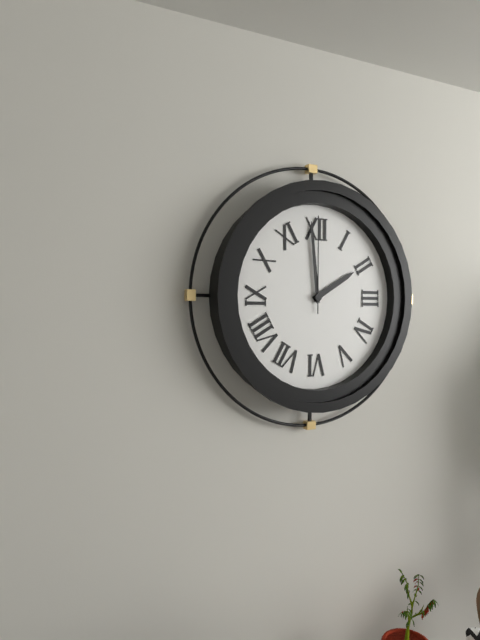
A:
h=1 m=59 s=0
